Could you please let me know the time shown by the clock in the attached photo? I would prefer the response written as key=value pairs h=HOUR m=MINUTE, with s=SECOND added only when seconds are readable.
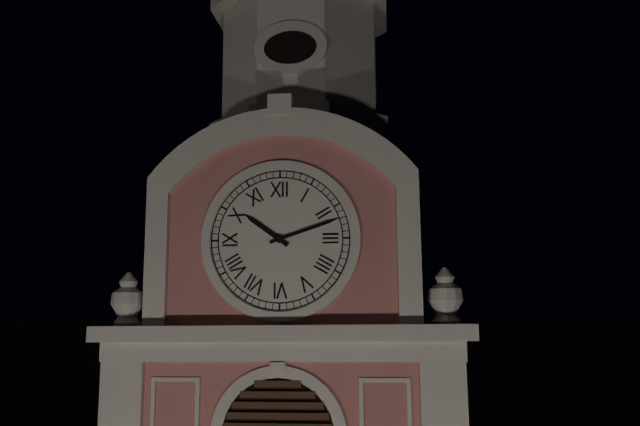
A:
h=10 m=12
